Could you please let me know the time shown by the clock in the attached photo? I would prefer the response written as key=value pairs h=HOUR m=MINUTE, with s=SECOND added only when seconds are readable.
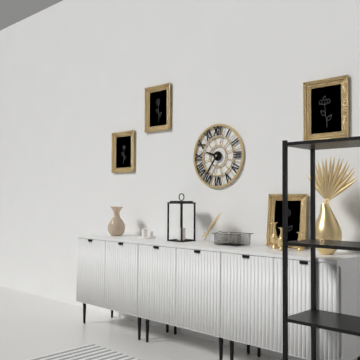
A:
h=9 m=36
